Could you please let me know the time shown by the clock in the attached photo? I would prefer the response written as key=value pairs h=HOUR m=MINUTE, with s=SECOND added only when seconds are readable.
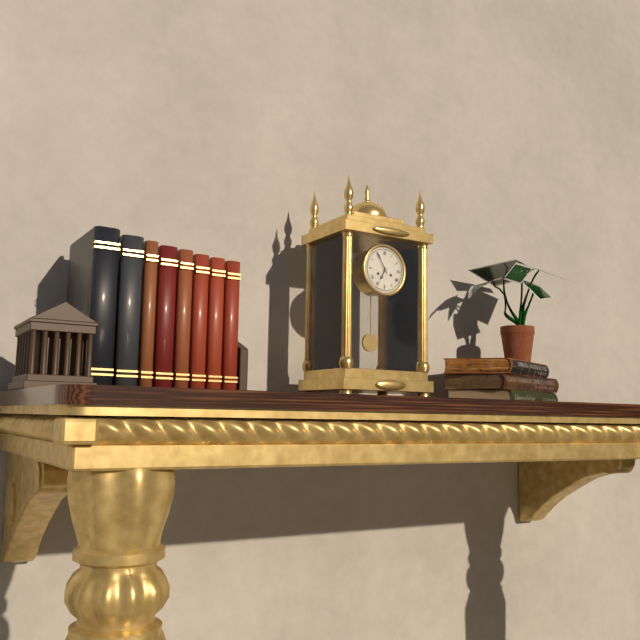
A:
h=6 m=55
